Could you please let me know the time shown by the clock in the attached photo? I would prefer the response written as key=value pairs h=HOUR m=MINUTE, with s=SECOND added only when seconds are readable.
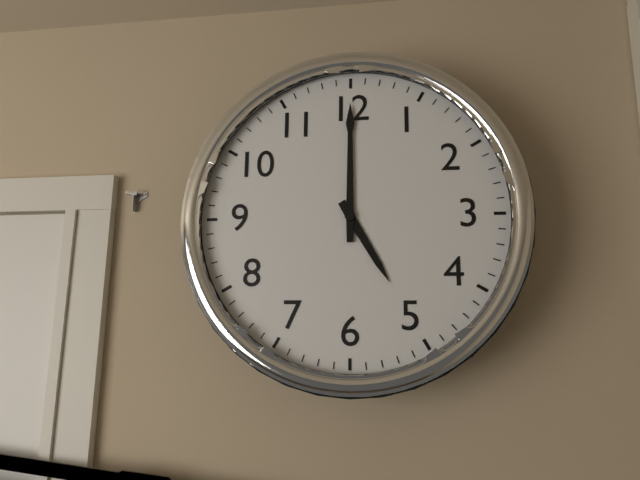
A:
h=5 m=0
